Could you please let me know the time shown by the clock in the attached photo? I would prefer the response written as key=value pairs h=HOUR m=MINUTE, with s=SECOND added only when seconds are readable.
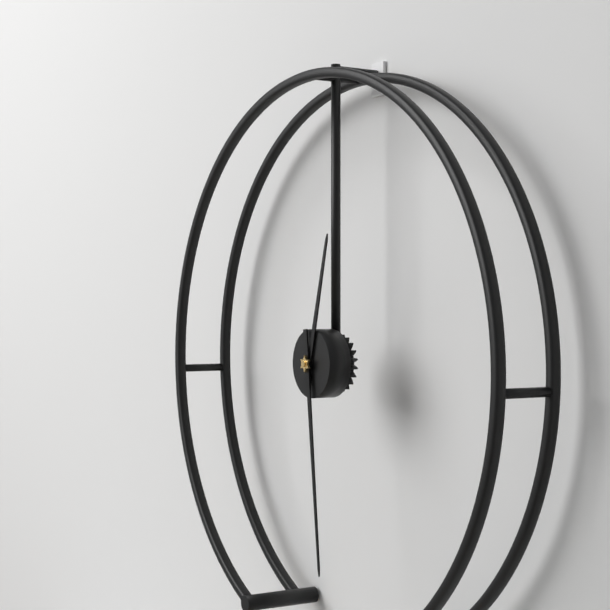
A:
h=12 m=29
